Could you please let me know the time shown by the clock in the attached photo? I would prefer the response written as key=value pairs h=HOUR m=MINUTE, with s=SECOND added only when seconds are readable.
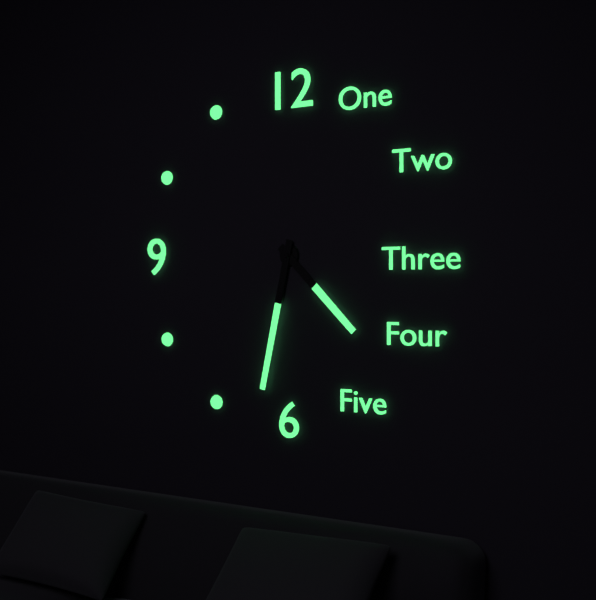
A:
h=4 m=32
